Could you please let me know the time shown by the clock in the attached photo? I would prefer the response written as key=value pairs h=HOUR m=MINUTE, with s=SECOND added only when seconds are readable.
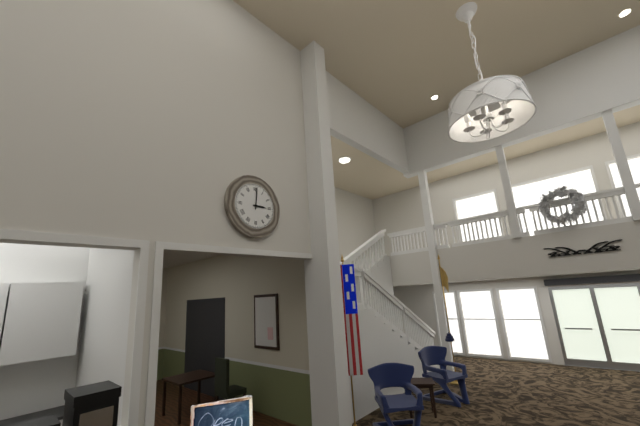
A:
h=3 m=1
